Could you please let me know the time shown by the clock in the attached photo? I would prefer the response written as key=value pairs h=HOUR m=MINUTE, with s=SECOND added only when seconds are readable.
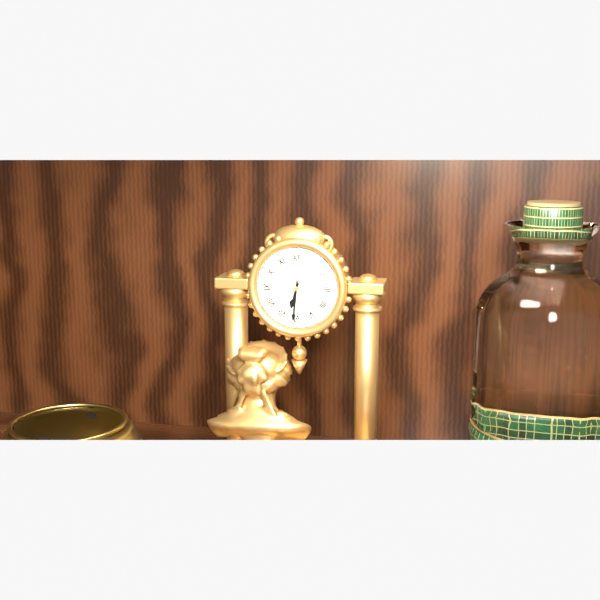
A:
h=6 m=31
